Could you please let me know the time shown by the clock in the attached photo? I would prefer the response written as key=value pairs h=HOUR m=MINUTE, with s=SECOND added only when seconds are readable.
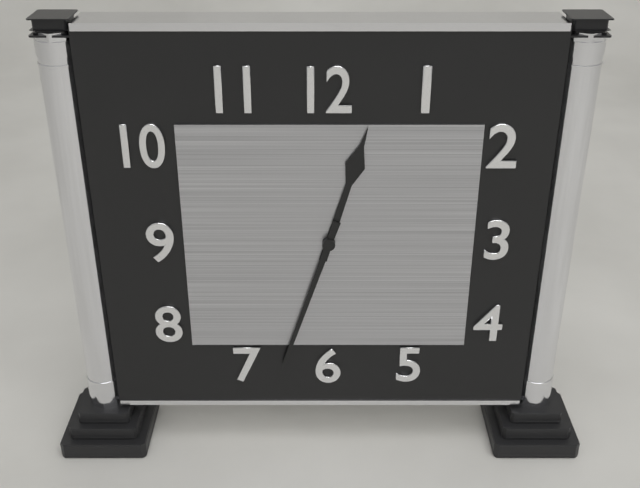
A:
h=12 m=33
